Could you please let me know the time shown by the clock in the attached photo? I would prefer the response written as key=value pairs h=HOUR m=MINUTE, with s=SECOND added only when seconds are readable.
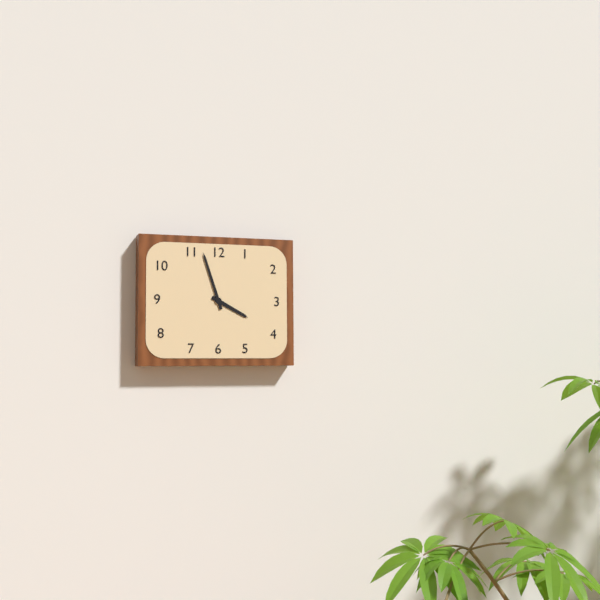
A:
h=3 m=57
